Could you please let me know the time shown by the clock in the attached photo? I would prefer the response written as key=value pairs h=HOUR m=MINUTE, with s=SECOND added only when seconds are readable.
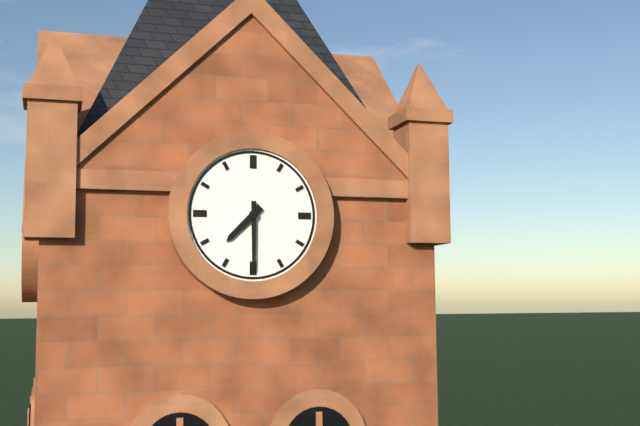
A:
h=7 m=30
